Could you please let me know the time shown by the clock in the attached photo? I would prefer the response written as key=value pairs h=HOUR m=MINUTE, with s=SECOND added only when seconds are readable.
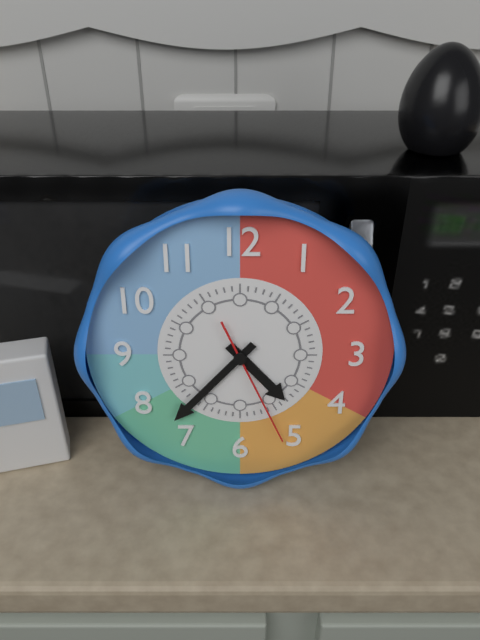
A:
h=4 m=37 s=26
